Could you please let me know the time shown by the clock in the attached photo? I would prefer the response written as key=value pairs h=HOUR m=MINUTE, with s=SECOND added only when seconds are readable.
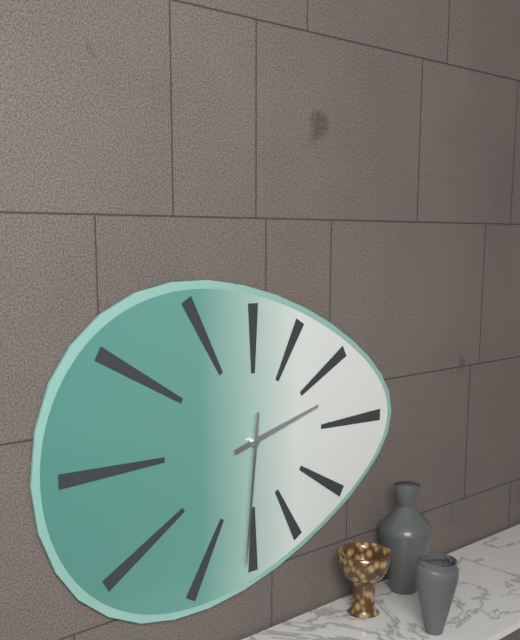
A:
h=2 m=31
